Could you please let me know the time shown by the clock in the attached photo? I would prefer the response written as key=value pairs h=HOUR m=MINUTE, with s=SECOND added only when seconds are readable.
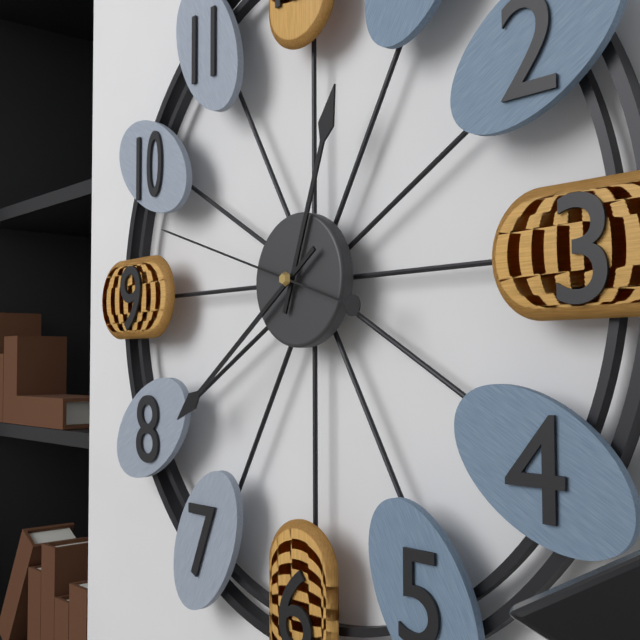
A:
h=12 m=39 s=48
